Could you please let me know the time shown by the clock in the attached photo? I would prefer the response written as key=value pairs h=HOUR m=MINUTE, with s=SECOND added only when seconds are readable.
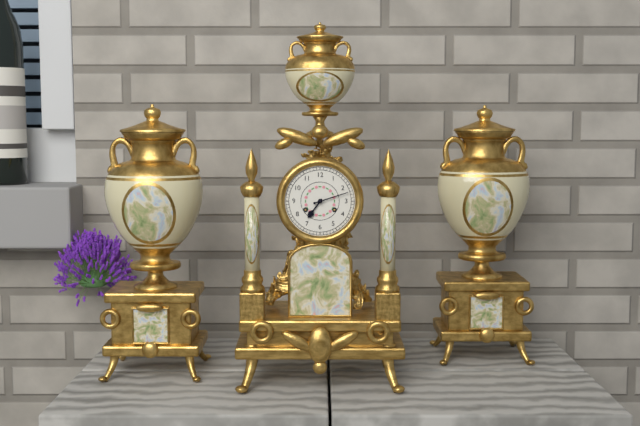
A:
h=7 m=12
